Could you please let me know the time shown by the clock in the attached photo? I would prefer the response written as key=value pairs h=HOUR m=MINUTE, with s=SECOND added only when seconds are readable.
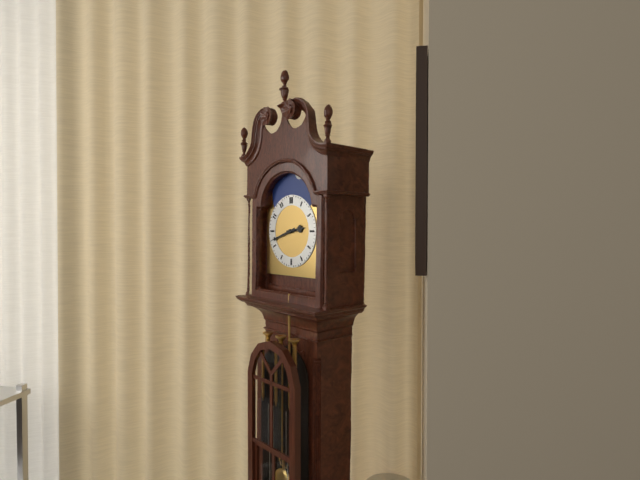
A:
h=2 m=42
